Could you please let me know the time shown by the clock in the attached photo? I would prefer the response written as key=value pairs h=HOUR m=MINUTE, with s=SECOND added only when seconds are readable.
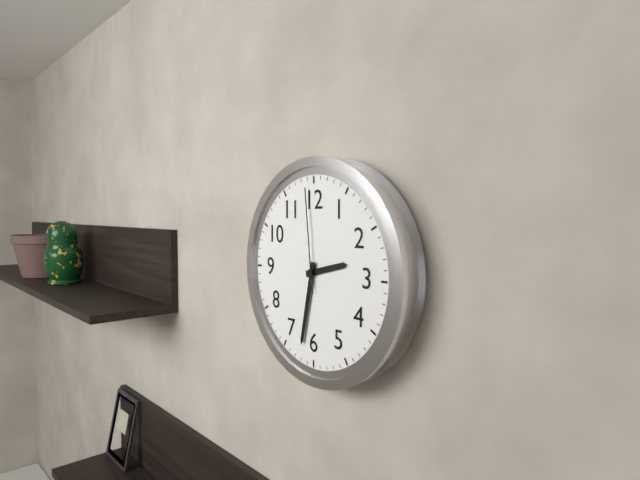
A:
h=2 m=32 s=59
